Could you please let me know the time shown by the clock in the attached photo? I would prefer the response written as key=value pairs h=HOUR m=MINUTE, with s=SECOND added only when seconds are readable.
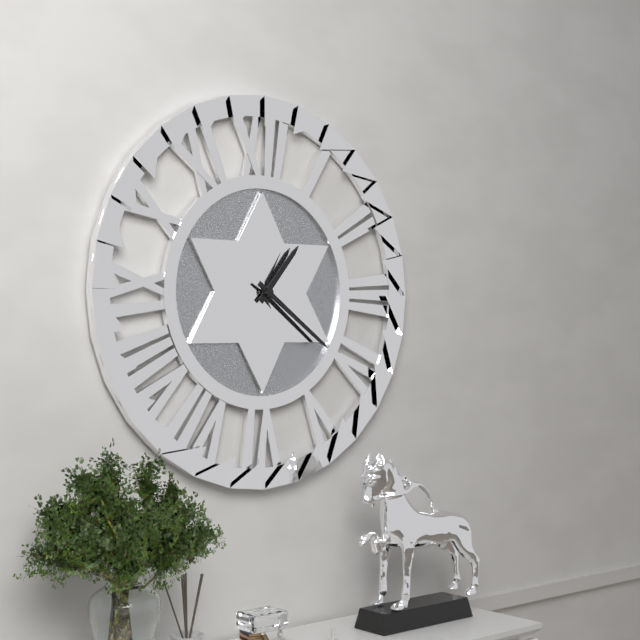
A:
h=1 m=21
